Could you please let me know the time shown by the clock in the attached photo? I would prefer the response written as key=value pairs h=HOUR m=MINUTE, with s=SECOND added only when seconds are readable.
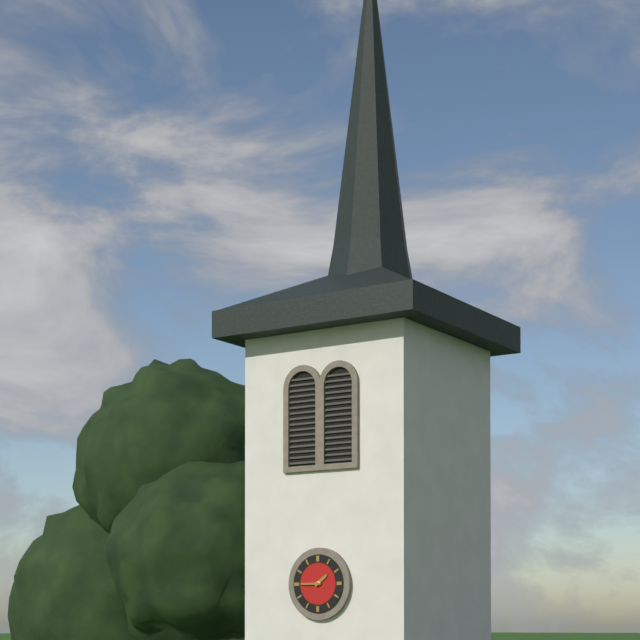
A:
h=1 m=45
